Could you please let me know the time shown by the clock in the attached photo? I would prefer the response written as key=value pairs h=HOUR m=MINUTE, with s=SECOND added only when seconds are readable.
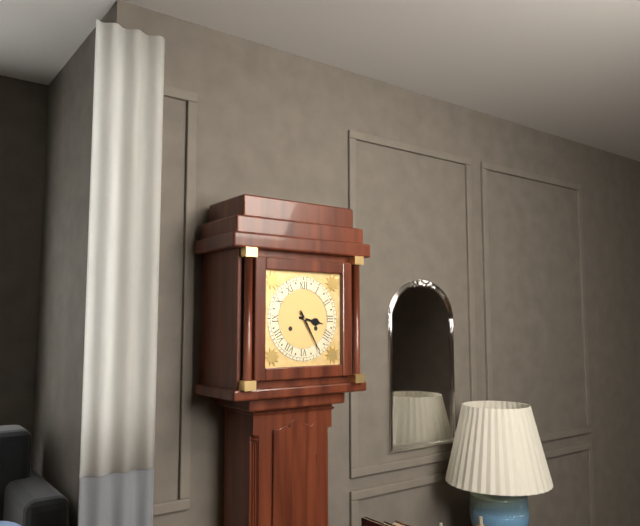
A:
h=3 m=25
